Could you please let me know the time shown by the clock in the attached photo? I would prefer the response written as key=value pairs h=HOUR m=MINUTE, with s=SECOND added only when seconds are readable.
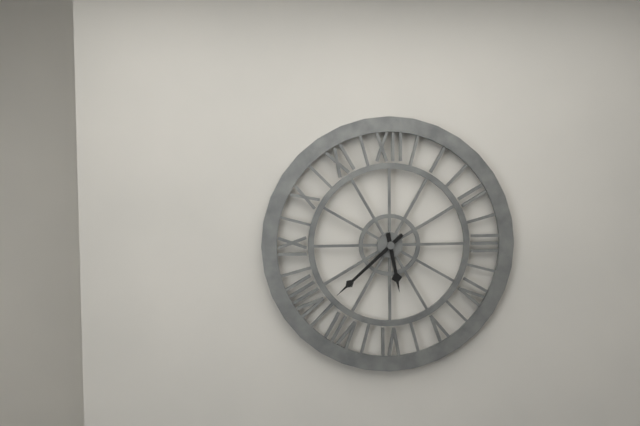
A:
h=5 m=38
